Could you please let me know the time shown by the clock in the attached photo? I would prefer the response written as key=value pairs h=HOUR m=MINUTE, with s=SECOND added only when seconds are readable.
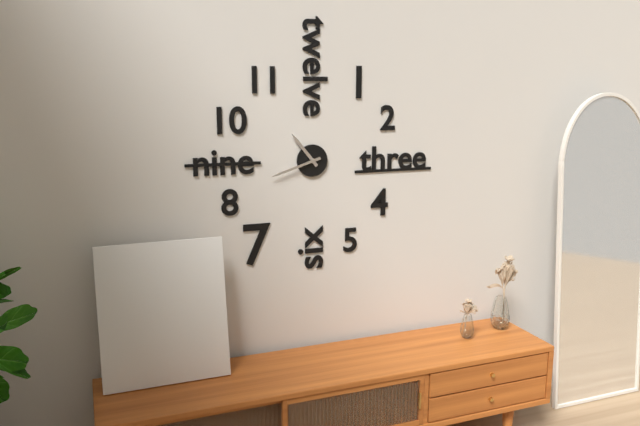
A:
h=10 m=42
